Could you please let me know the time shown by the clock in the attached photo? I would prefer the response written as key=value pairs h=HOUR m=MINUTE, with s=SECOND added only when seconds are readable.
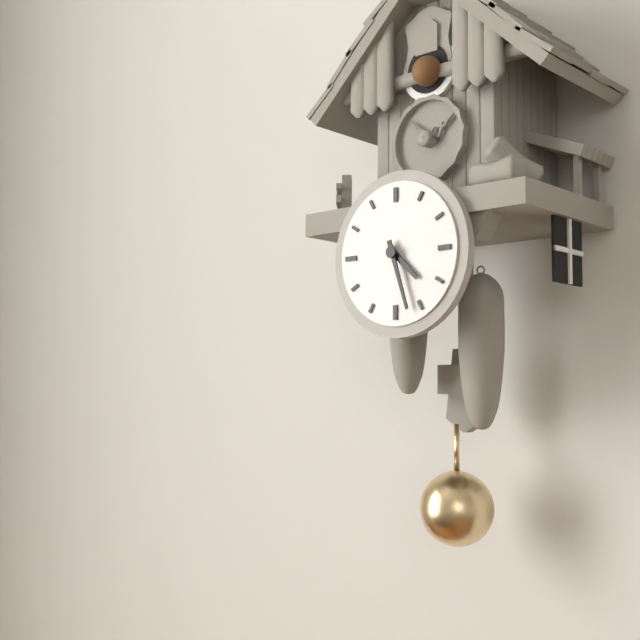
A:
h=4 m=27
